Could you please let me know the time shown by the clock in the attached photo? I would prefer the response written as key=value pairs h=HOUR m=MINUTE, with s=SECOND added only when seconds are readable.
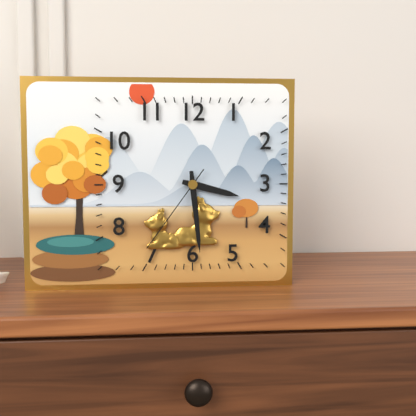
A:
h=3 m=29 s=36
